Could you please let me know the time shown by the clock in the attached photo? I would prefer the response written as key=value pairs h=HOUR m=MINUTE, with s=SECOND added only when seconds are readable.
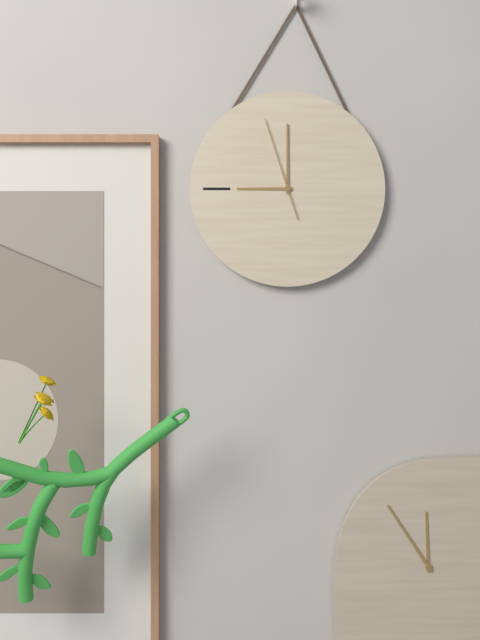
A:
h=9 m=0 s=57
